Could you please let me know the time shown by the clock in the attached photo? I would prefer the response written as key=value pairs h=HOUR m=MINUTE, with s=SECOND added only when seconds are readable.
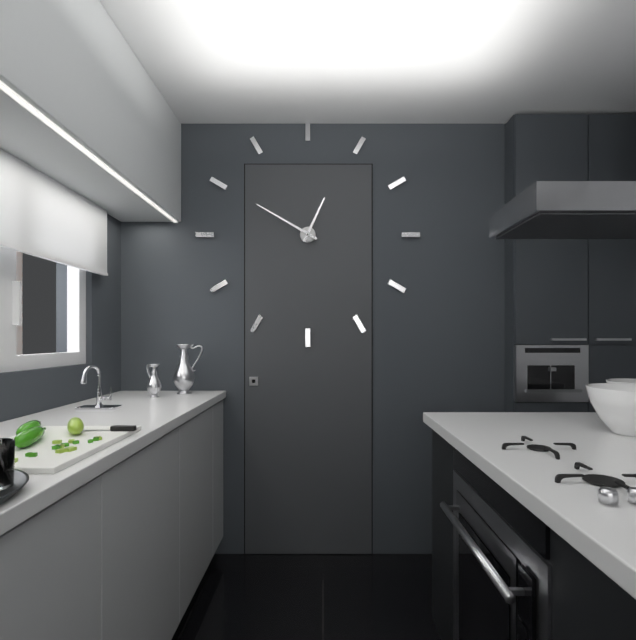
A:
h=12 m=50
